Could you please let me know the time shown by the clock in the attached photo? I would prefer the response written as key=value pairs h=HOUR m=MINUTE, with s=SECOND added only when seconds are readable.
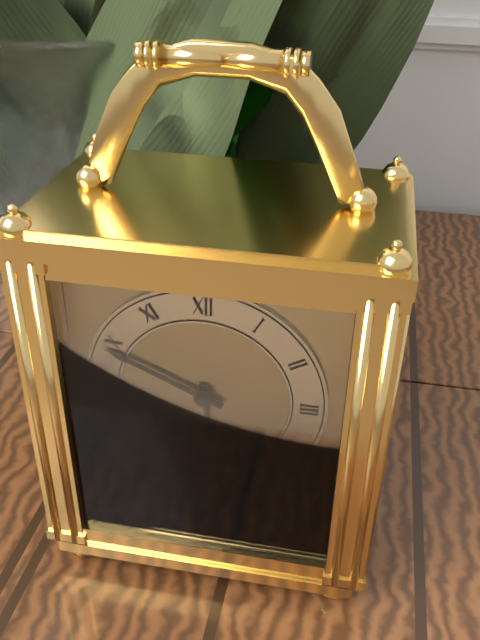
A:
h=5 m=49
